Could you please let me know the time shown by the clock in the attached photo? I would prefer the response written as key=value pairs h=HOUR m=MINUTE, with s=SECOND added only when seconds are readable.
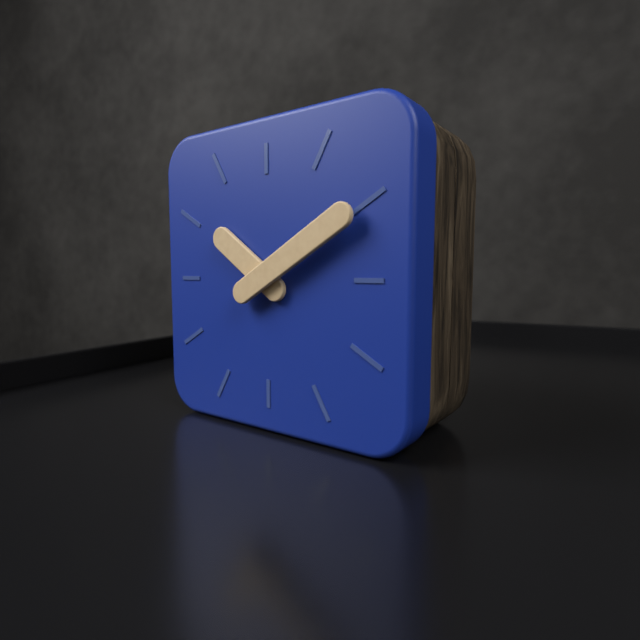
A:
h=10 m=10
